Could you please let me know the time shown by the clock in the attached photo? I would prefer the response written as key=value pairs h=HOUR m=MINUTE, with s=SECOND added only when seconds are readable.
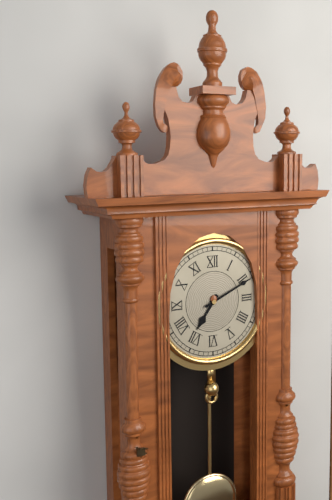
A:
h=7 m=11
